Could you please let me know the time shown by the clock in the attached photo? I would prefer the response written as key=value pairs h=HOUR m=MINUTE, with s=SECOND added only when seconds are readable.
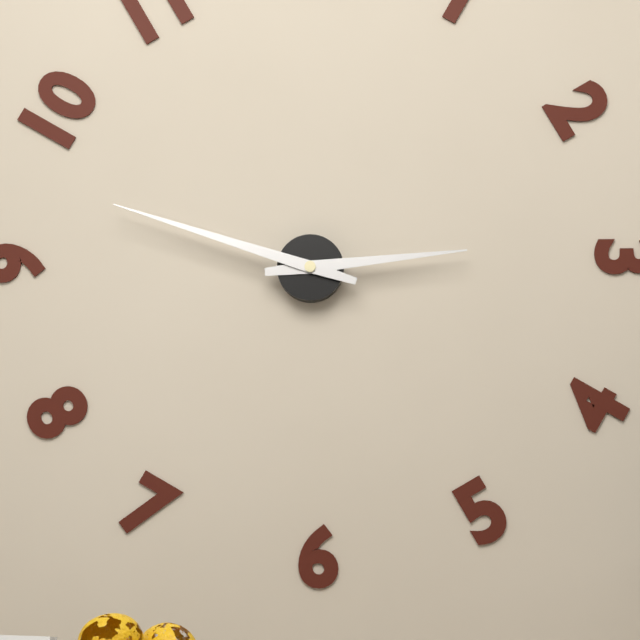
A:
h=2 m=48
